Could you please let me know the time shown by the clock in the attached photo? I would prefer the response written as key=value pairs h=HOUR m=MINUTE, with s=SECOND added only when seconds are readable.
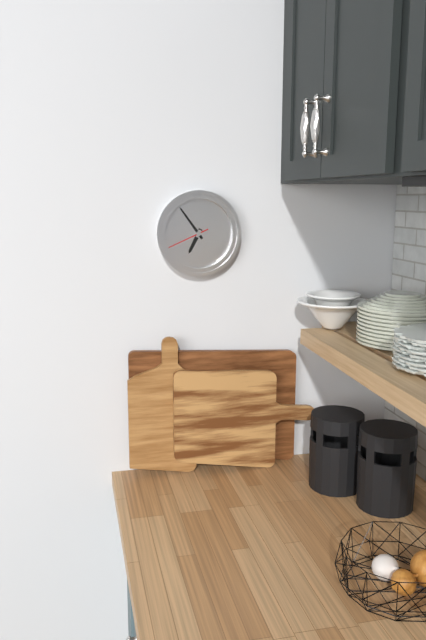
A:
h=6 m=54
